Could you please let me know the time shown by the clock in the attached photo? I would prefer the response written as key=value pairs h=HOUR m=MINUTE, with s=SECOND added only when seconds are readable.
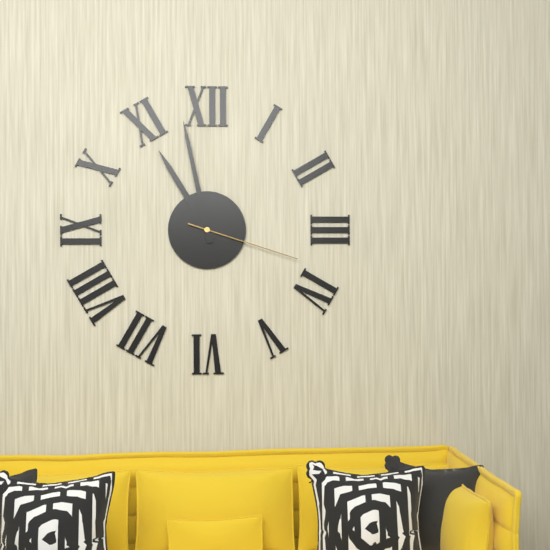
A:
h=10 m=58 s=18
